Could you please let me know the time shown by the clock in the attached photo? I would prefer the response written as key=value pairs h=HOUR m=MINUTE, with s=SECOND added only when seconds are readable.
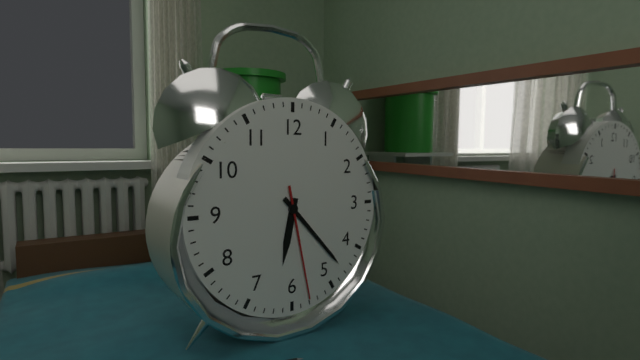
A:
h=6 m=23 s=28
